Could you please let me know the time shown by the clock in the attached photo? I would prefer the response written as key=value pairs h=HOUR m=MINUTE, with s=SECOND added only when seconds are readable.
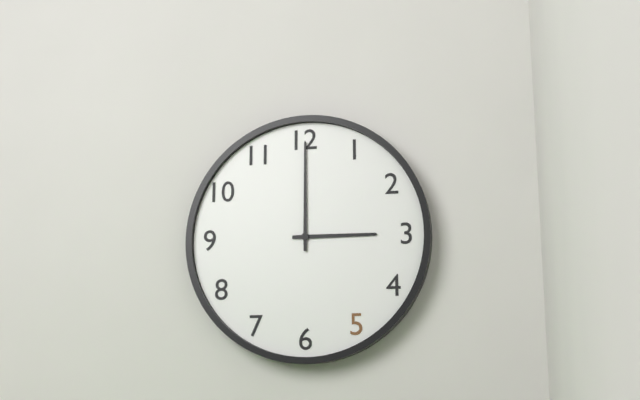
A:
h=3 m=0
